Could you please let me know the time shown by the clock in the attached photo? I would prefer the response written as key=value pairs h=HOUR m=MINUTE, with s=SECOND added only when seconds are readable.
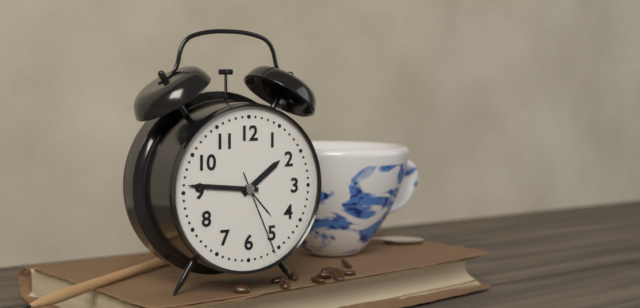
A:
h=1 m=46 s=26
